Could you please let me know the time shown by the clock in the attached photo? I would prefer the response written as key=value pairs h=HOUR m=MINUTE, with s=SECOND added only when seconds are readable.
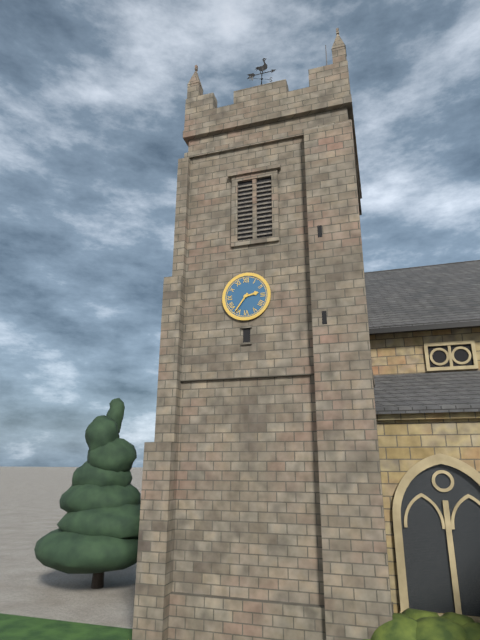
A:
h=2 m=36
